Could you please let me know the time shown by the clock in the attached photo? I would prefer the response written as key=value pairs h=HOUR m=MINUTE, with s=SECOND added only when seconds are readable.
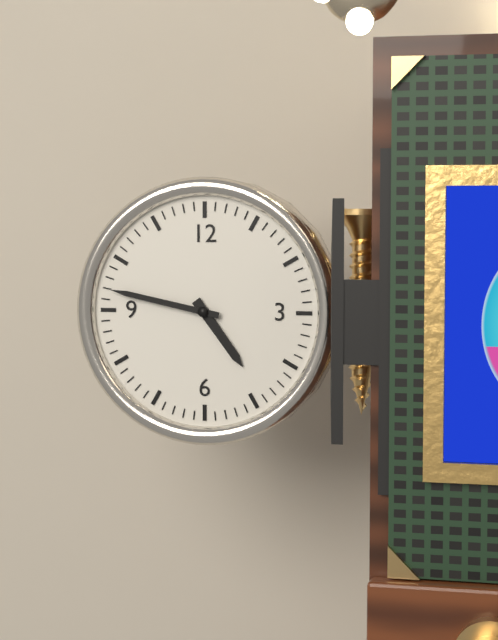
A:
h=4 m=47
